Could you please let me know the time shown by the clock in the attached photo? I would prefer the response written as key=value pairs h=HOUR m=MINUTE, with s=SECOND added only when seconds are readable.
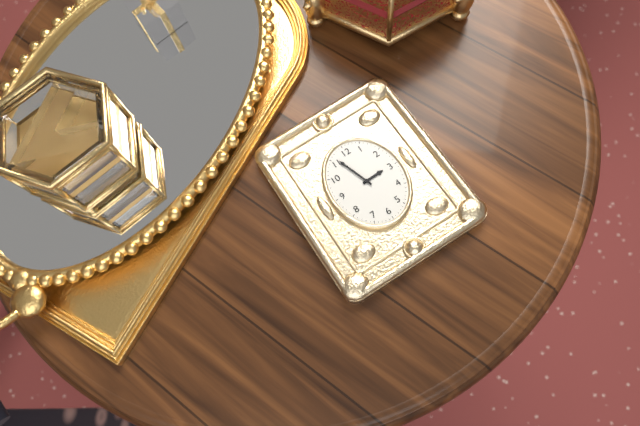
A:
h=2 m=57
